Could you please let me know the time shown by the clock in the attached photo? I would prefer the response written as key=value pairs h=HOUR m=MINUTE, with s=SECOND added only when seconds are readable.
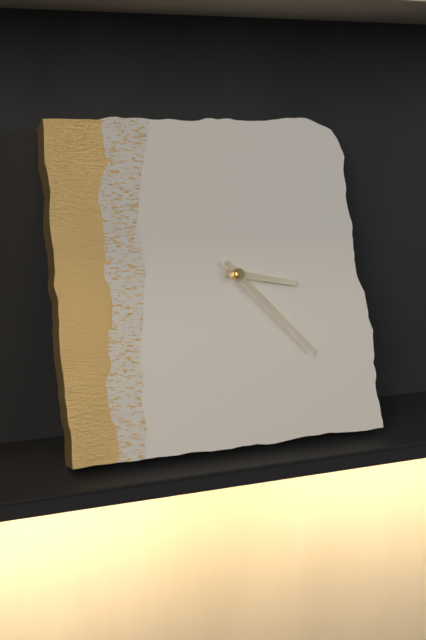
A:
h=3 m=23
